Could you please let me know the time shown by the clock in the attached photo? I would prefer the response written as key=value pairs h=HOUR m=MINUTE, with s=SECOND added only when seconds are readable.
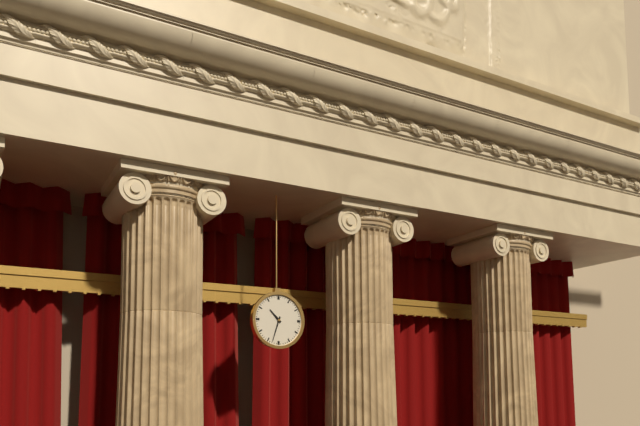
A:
h=10 m=33
